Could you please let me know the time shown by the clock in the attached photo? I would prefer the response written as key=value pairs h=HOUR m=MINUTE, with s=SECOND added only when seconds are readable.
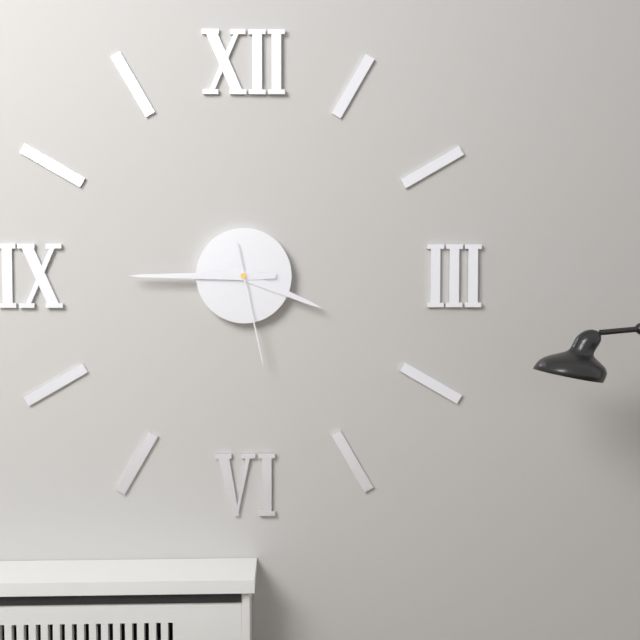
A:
h=3 m=45 s=28
